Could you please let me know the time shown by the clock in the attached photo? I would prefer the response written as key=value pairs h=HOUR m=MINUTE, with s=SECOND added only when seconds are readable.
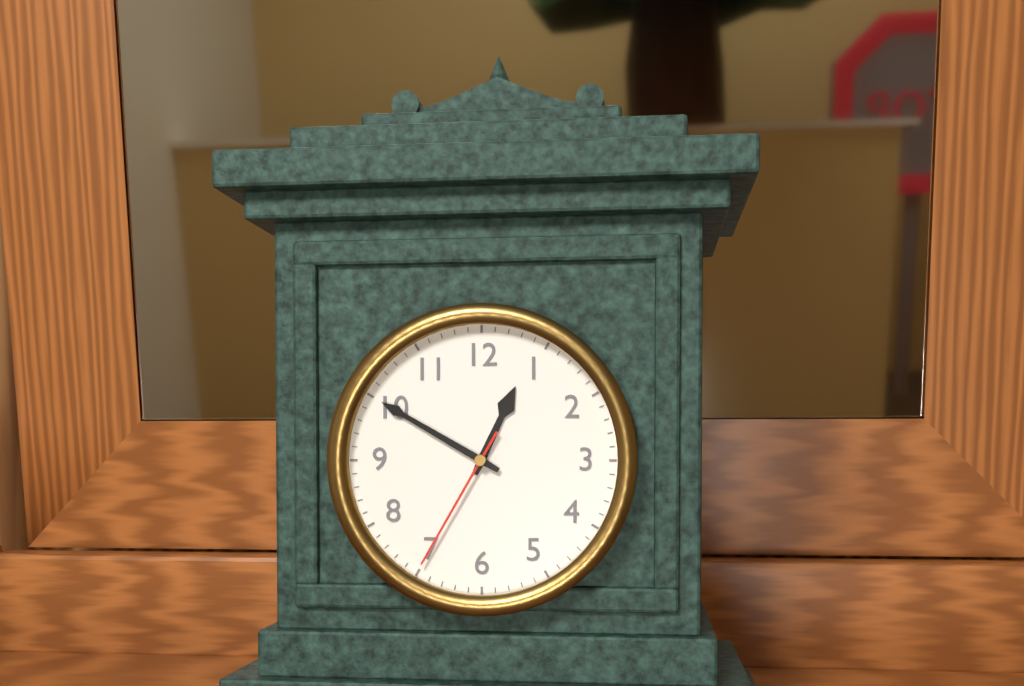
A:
h=12 m=50 s=35
